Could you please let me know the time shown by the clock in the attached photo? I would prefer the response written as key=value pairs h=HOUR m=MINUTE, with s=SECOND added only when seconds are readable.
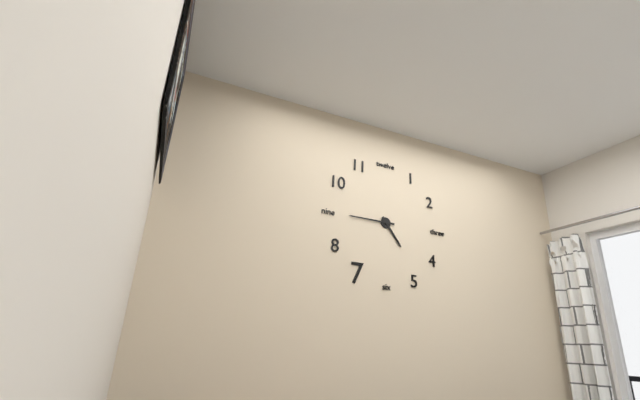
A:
h=4 m=45
